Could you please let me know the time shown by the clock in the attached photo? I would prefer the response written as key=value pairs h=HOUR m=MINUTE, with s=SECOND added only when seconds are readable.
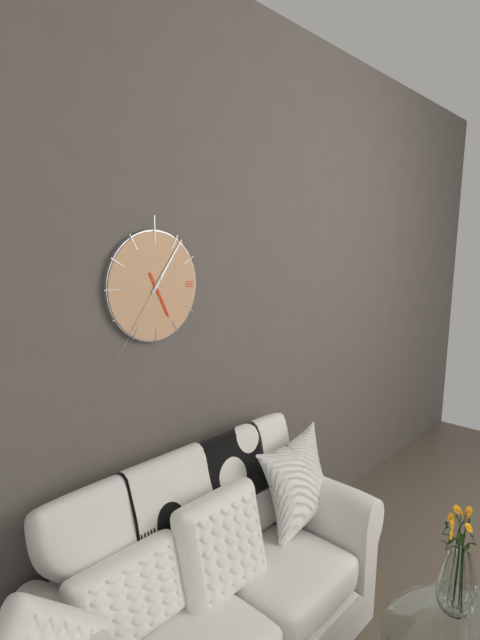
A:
h=5 m=6 s=36
